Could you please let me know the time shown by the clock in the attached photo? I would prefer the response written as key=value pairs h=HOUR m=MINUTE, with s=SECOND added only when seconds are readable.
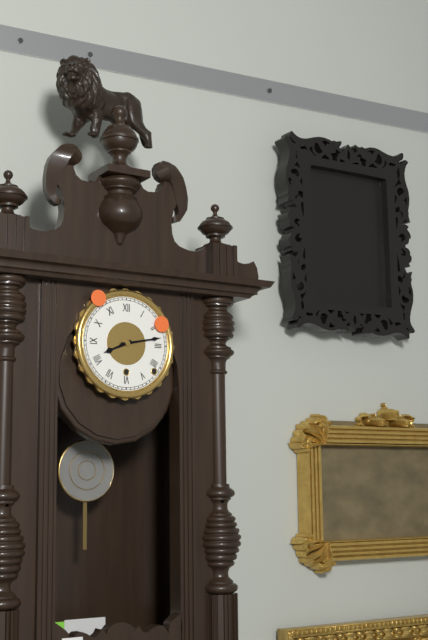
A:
h=8 m=13
